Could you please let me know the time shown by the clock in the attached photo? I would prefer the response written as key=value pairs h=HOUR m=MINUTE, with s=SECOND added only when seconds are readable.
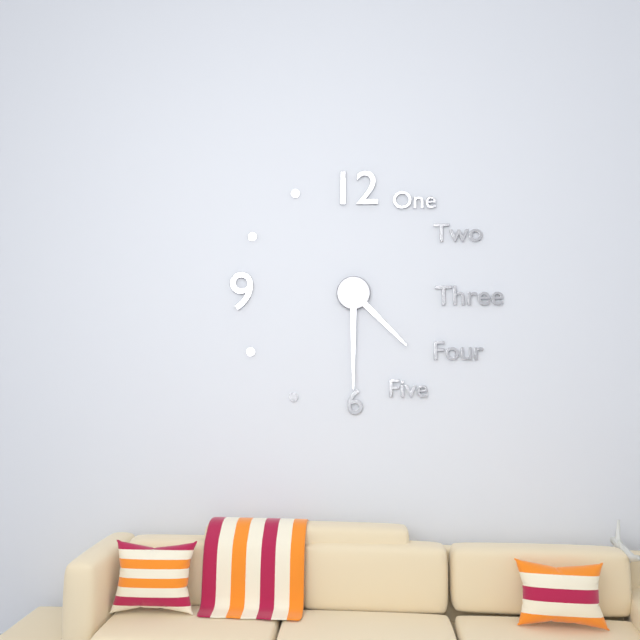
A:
h=4 m=30
